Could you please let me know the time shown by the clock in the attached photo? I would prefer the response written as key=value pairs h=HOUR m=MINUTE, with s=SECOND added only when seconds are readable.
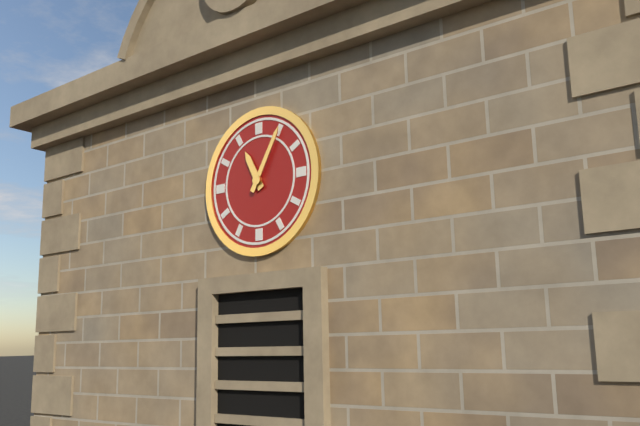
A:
h=11 m=5
